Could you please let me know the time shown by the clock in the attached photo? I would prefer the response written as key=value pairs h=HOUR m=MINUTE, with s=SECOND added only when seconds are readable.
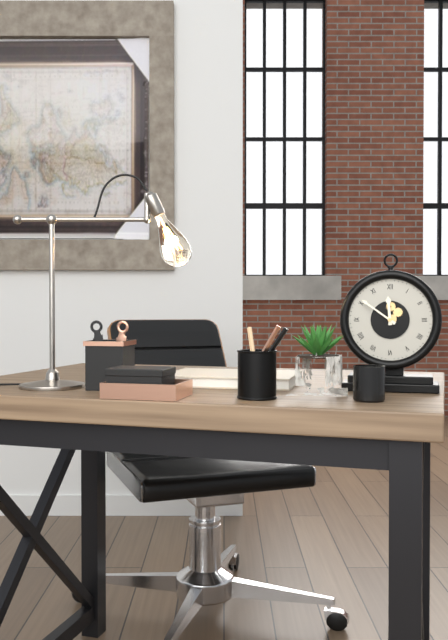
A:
h=11 m=51
